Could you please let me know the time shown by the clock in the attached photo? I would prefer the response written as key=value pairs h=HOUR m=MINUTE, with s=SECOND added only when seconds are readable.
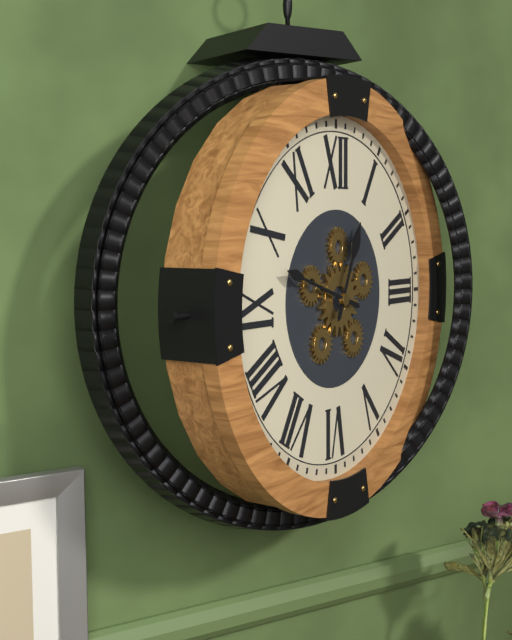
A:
h=12 m=48
